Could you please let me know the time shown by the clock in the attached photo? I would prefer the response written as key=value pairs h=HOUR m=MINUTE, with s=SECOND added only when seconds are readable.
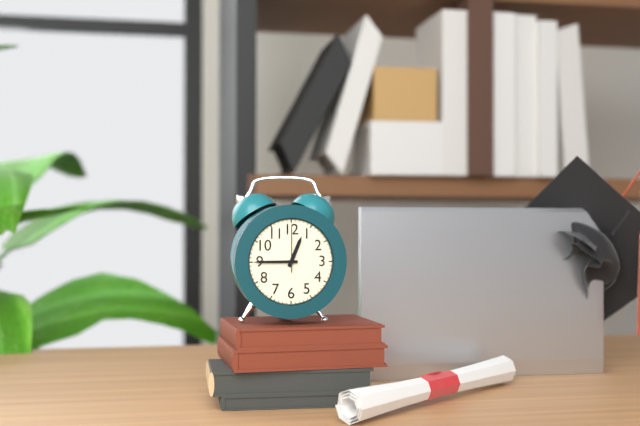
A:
h=12 m=45 s=0
